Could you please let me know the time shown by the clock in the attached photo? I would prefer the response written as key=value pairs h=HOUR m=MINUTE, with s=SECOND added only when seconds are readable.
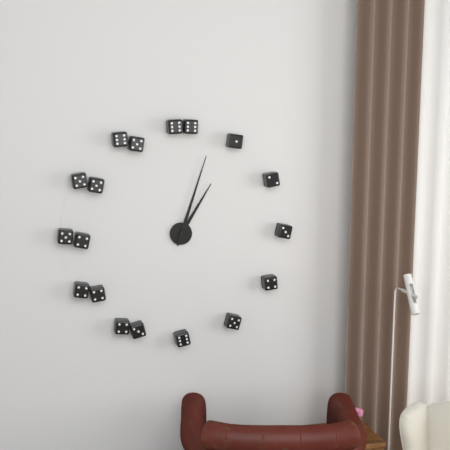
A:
h=1 m=3
